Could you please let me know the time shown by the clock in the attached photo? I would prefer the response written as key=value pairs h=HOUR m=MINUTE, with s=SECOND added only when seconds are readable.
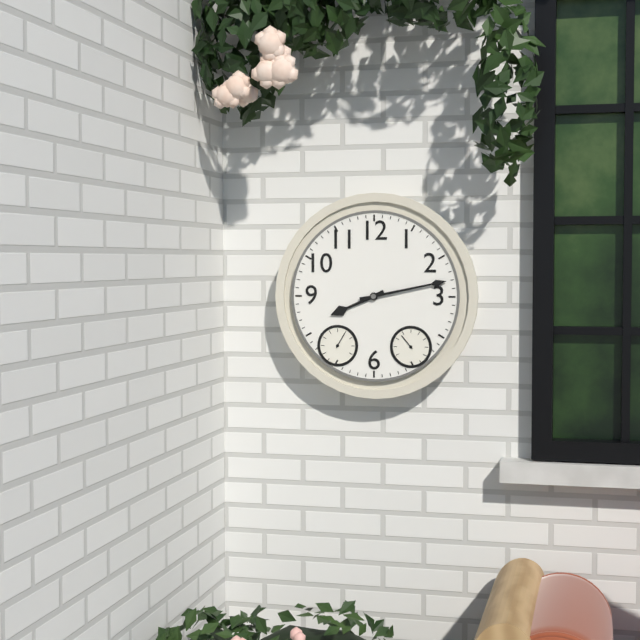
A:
h=8 m=13
